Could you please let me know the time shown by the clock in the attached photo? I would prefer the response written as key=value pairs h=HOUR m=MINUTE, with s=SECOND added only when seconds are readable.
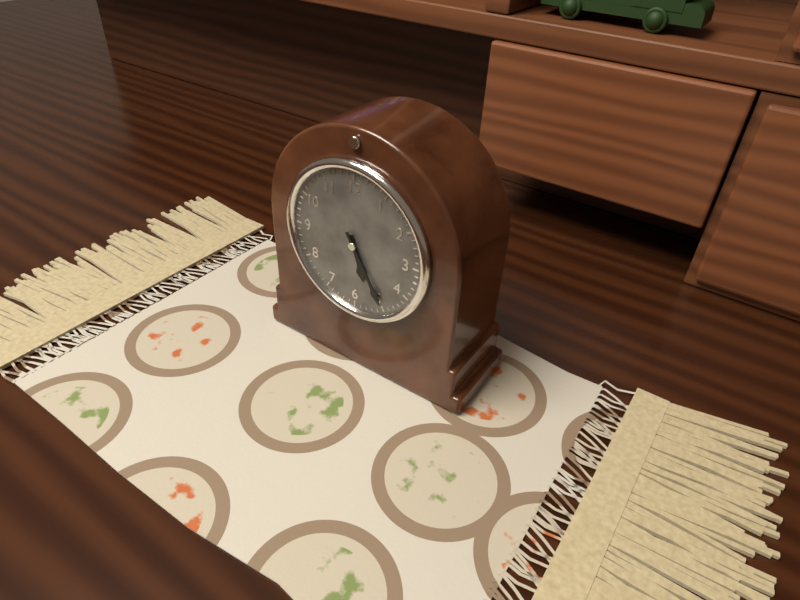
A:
h=5 m=25
